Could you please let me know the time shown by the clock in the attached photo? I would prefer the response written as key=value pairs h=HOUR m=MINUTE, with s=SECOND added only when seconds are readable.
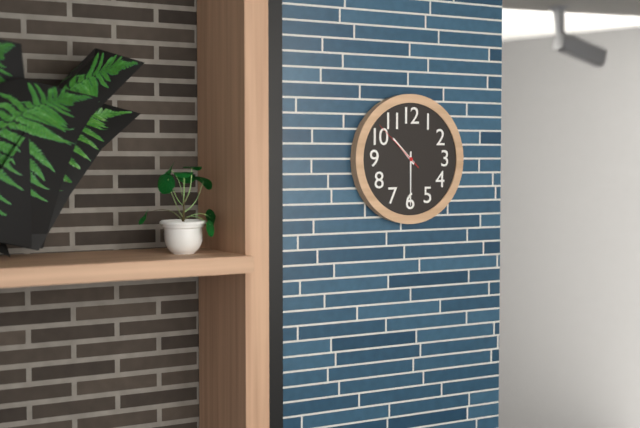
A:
h=10 m=30 s=52
